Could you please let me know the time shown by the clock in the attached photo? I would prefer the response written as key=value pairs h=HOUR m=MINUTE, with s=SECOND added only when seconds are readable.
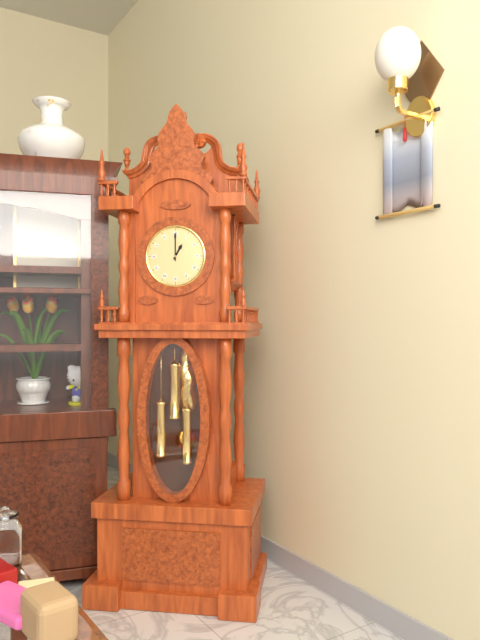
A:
h=1 m=0
